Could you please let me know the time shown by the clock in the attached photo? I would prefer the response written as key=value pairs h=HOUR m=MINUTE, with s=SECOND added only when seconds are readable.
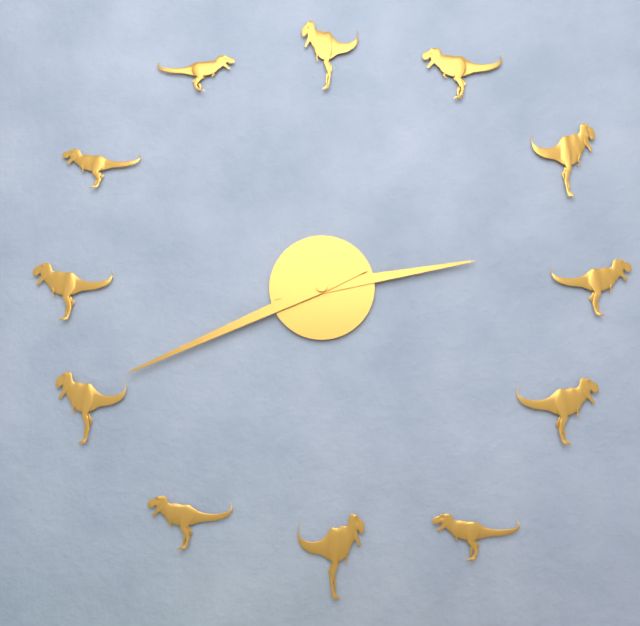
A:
h=2 m=41
